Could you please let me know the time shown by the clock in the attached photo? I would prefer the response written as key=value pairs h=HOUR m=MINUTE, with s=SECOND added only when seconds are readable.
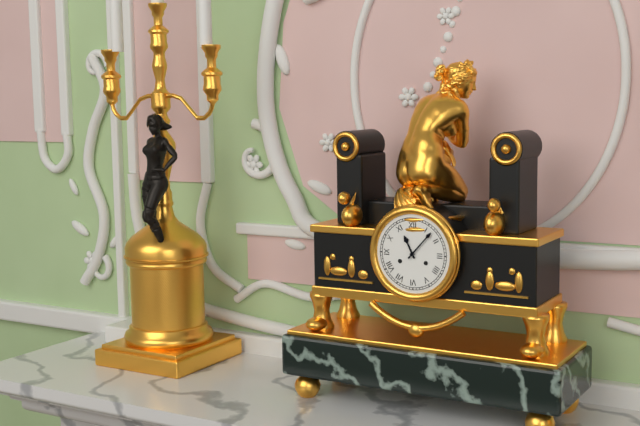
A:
h=11 m=7
